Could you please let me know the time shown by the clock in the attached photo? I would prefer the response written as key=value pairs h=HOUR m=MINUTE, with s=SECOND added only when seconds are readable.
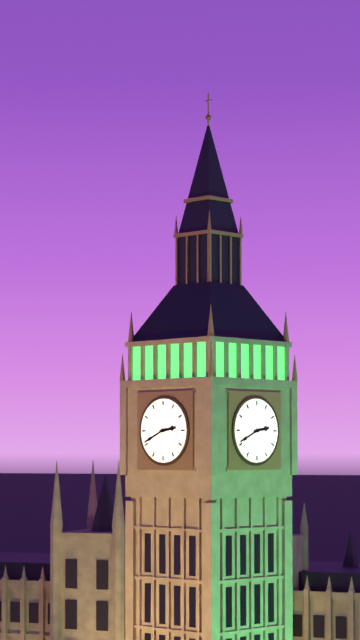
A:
h=2 m=41
